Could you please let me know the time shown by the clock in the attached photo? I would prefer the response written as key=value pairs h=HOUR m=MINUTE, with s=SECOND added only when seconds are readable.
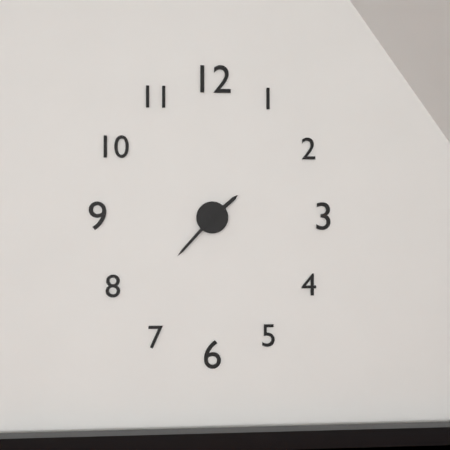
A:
h=1 m=37
